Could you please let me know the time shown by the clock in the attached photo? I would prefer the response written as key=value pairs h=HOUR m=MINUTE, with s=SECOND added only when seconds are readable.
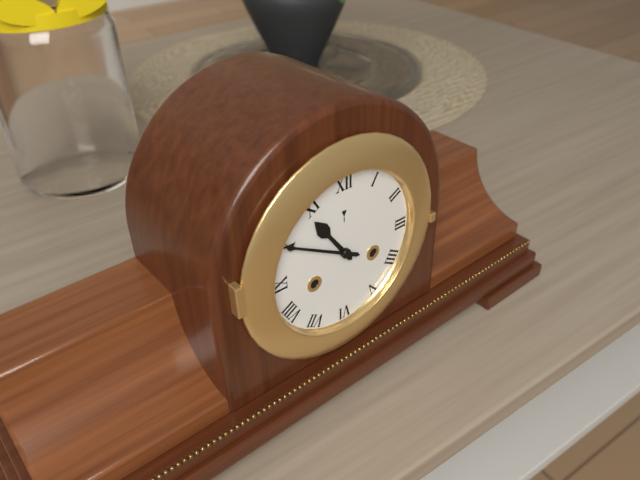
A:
h=10 m=50
